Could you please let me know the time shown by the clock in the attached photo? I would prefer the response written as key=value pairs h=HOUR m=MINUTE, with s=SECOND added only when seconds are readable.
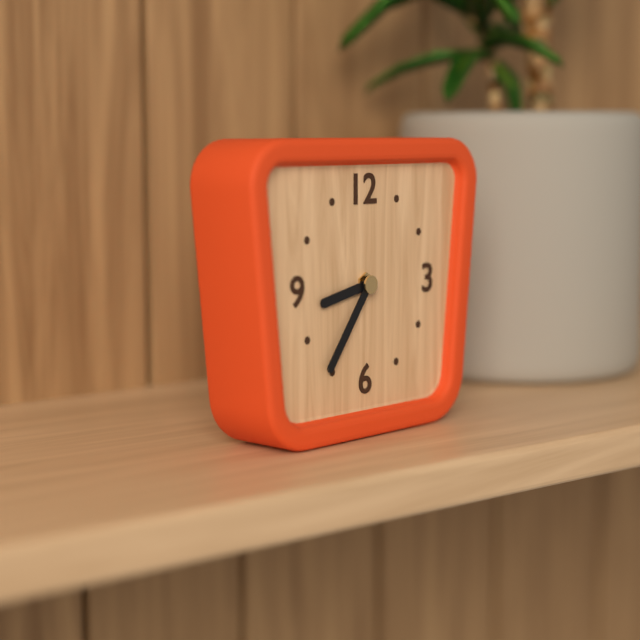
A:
h=8 m=36
